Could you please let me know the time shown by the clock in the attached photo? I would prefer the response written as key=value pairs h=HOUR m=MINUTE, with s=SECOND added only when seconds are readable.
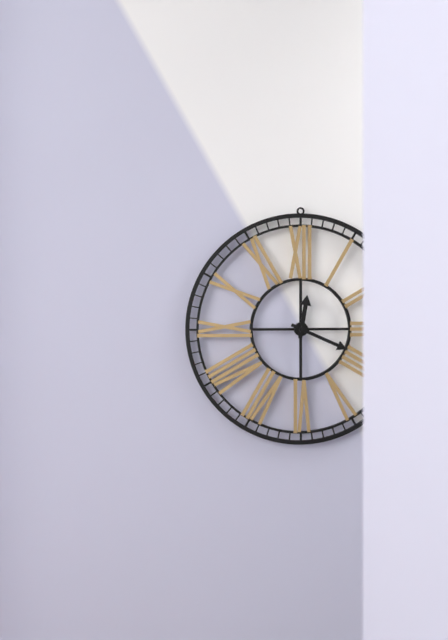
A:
h=12 m=19
